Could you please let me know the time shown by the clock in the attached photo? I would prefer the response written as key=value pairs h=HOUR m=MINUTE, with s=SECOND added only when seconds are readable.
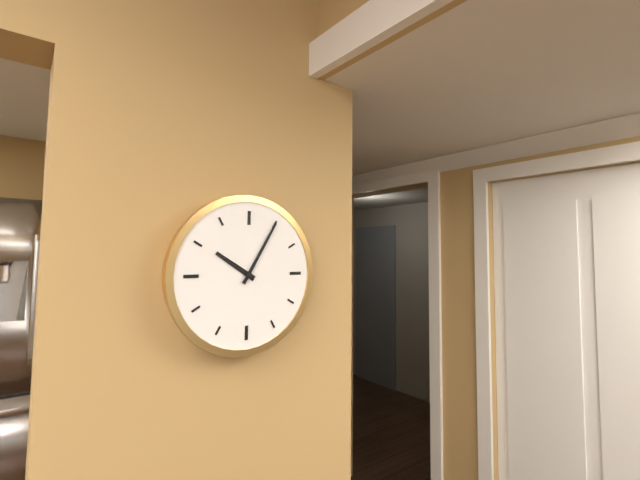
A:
h=10 m=5
